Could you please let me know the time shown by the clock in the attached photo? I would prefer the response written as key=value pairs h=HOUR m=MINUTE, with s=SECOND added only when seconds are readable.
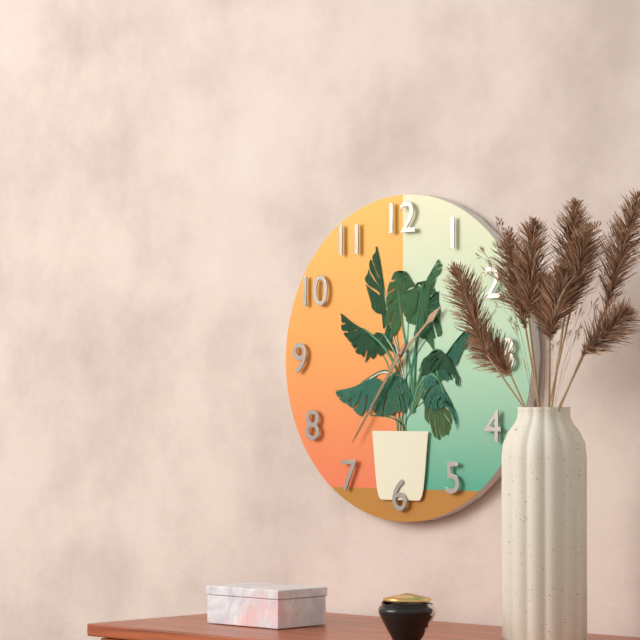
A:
h=1 m=36
